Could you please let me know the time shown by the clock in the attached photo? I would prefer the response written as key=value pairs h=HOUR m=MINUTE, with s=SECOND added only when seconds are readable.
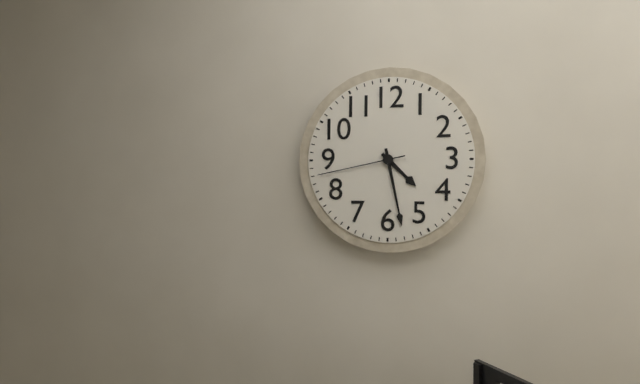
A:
h=4 m=28 s=43
